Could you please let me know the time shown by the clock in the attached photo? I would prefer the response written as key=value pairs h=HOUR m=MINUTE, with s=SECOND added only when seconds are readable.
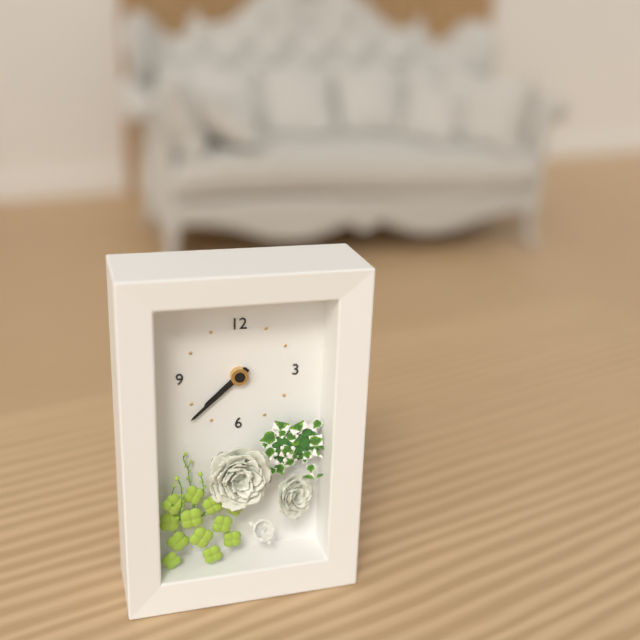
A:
h=7 m=38
